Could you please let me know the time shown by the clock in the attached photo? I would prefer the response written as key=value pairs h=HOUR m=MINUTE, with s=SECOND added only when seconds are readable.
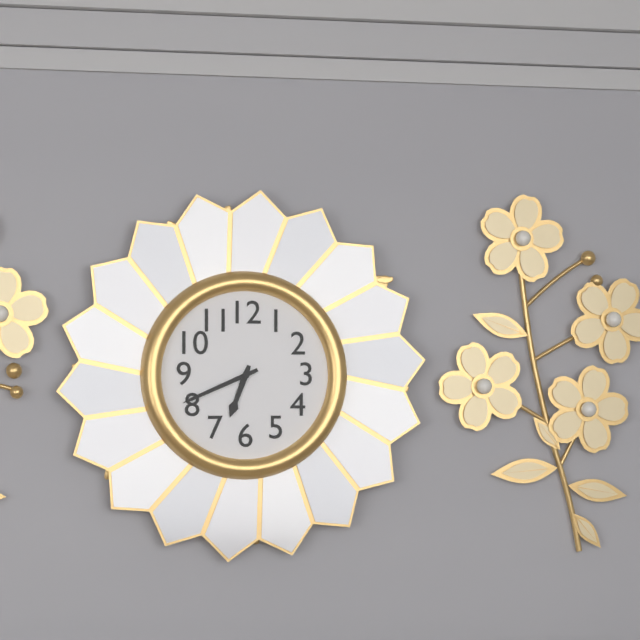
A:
h=6 m=41
